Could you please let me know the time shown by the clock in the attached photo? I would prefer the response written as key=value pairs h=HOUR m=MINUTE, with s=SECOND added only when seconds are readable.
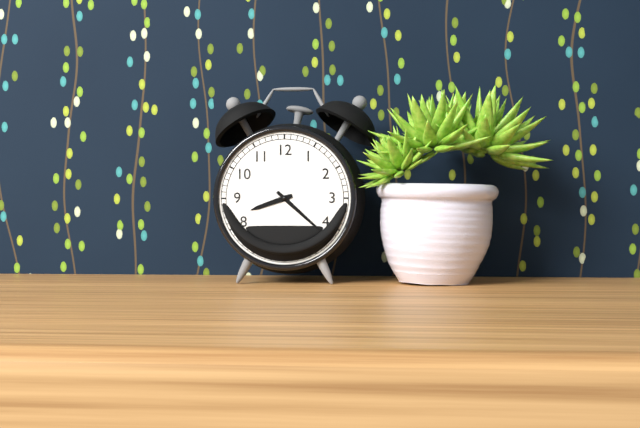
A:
h=8 m=22
